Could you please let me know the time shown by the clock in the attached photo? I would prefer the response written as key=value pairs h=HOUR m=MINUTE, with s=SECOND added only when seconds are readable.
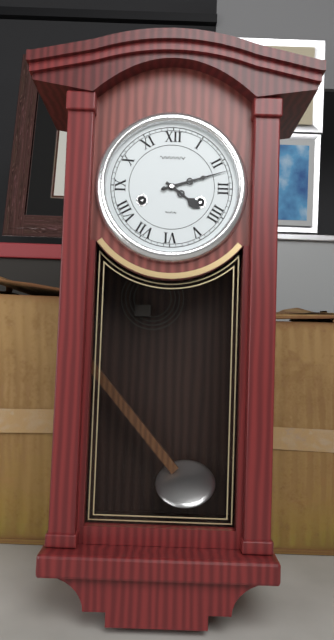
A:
h=4 m=12
